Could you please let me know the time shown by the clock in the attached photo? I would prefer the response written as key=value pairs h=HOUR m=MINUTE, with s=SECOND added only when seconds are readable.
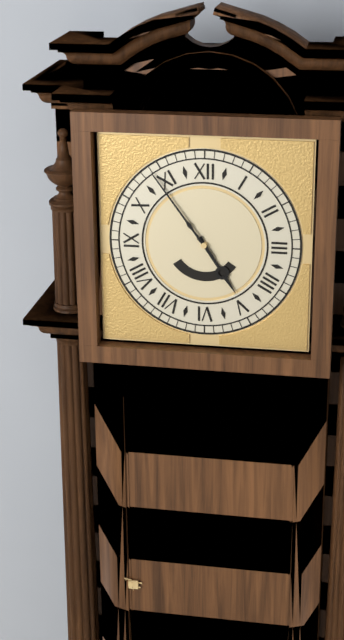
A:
h=4 m=54
